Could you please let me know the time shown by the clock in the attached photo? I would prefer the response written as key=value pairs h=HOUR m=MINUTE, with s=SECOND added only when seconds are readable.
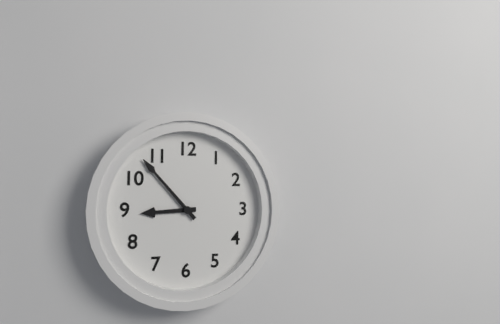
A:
h=8 m=53
